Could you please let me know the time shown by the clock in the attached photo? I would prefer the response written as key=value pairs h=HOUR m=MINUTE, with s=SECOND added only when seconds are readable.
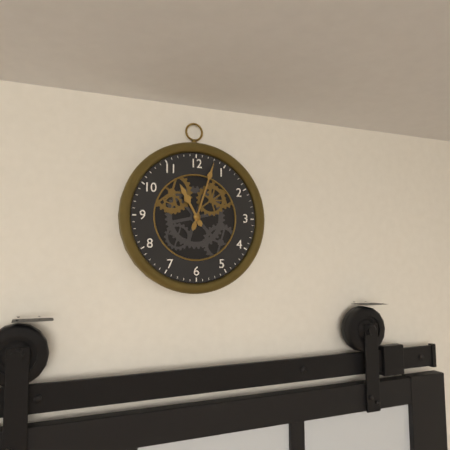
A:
h=11 m=3
